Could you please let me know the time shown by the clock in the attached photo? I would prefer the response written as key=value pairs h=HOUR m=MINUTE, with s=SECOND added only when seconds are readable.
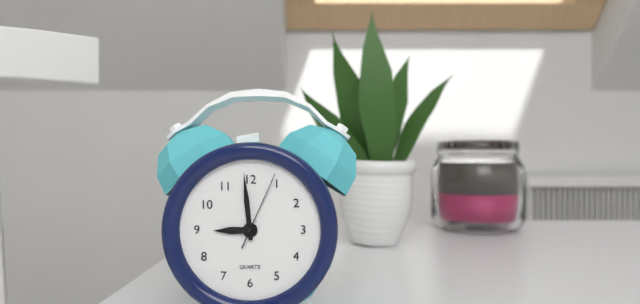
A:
h=8 m=59 s=4
